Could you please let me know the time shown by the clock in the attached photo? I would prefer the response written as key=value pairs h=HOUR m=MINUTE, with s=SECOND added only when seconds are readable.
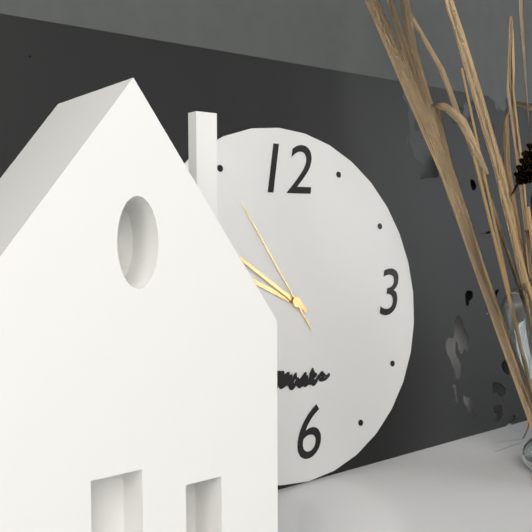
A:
h=9 m=51 s=55
